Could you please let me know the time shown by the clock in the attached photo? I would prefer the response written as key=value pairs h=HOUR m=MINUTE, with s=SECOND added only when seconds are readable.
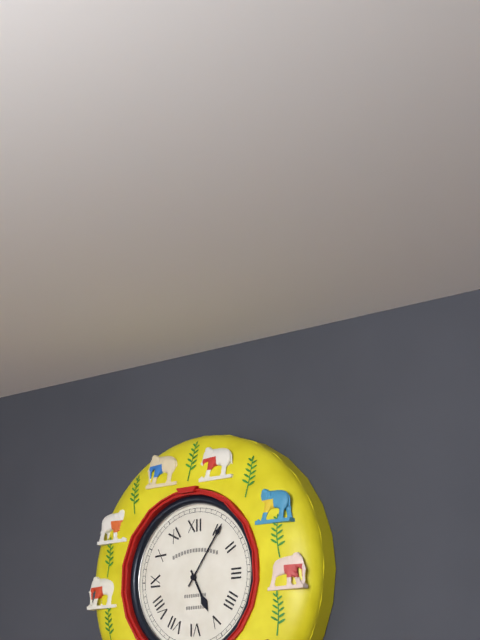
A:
h=5 m=6
